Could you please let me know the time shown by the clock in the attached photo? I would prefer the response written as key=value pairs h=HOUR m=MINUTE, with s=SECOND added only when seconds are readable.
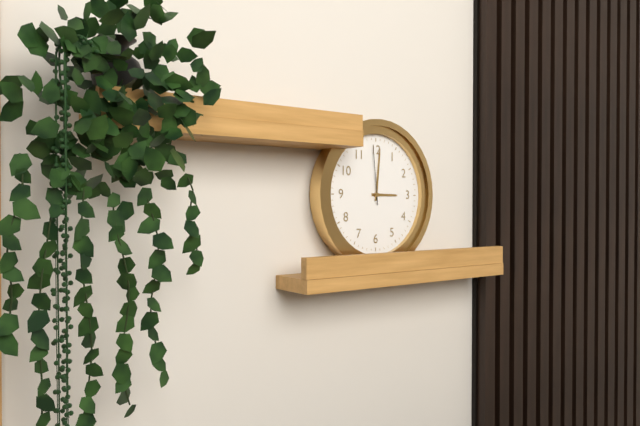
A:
h=3 m=1 s=59
